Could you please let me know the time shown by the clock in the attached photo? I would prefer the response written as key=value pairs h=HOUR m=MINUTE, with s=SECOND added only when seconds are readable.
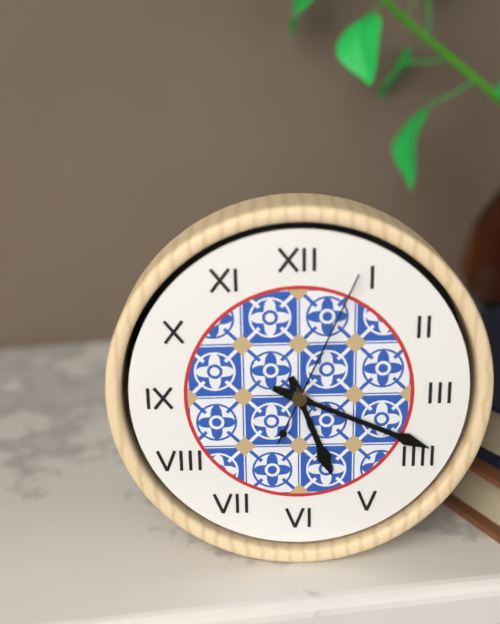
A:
h=5 m=19 s=4
